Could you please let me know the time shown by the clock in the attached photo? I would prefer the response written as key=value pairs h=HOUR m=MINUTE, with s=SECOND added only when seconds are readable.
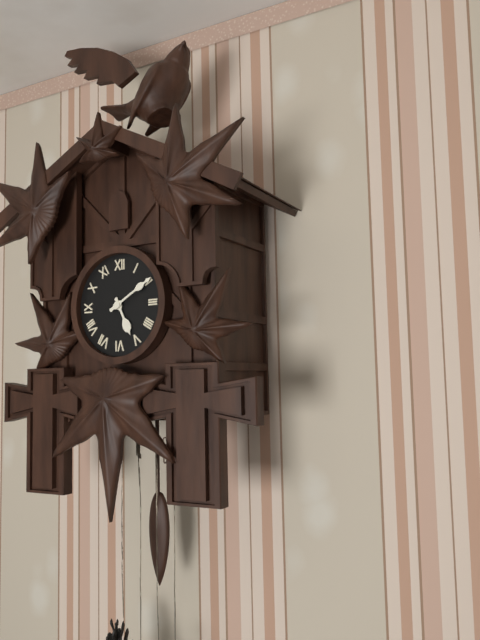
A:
h=5 m=10
